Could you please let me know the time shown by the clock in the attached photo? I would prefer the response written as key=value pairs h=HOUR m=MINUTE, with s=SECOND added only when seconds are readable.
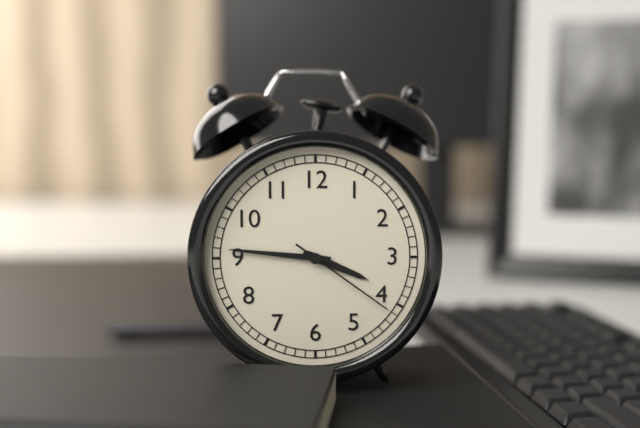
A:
h=3 m=46 s=21
